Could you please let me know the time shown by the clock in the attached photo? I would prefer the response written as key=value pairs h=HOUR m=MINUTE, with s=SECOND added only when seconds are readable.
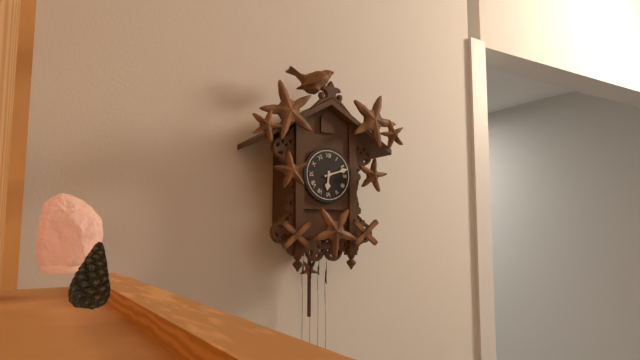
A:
h=6 m=12
